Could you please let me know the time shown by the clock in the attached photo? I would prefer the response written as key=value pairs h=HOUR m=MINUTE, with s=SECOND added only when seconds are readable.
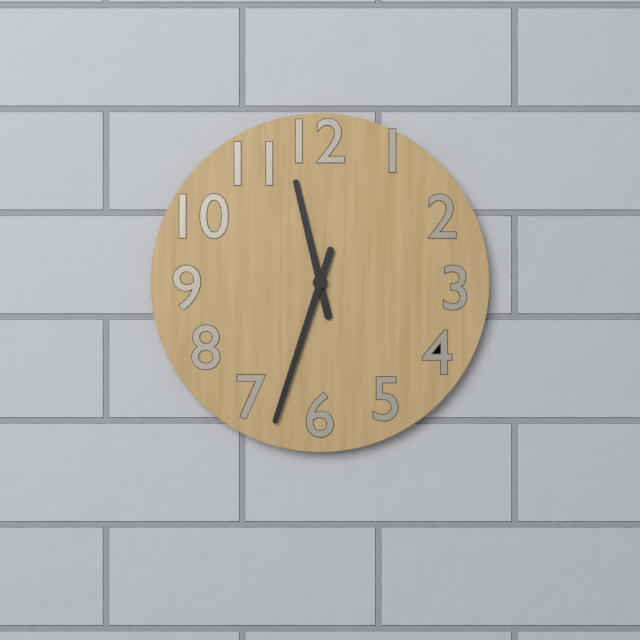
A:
h=11 m=33
